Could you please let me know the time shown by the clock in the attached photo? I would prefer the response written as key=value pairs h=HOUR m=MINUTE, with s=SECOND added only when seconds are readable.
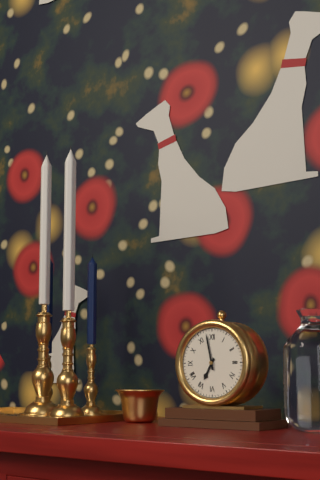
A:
h=6 m=58
